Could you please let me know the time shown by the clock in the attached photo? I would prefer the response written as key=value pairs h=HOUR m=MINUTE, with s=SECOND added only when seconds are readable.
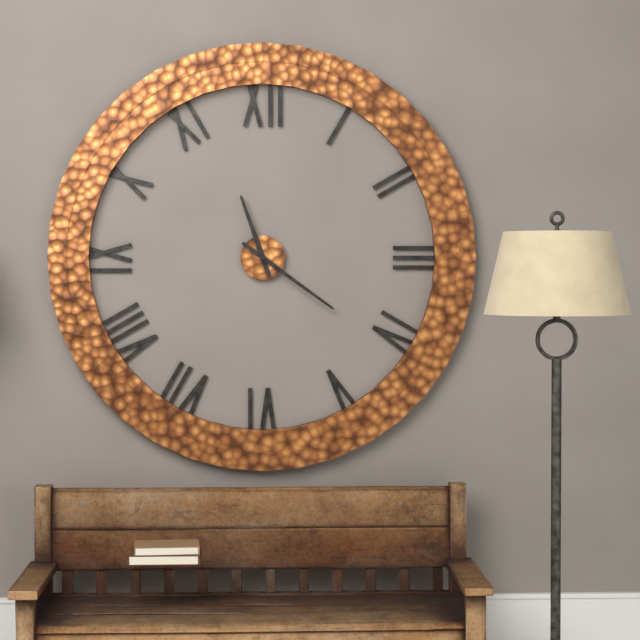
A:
h=11 m=21
